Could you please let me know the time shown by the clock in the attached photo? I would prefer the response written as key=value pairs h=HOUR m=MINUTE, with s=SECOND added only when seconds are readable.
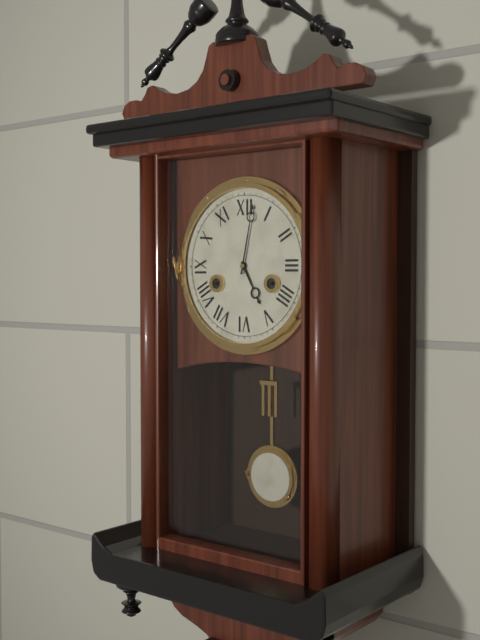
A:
h=5 m=2
